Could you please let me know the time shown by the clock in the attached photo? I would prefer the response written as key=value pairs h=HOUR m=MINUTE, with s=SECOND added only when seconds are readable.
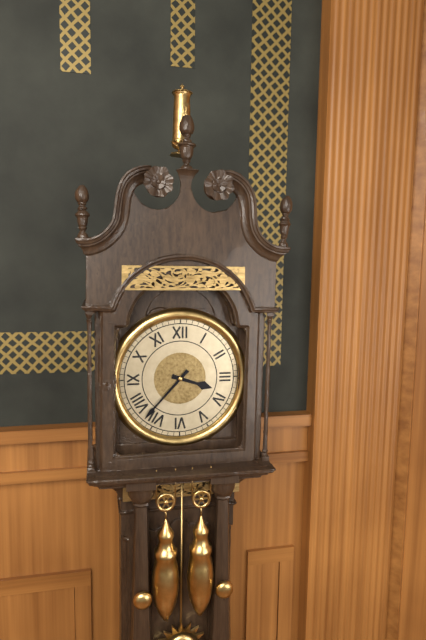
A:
h=3 m=37
